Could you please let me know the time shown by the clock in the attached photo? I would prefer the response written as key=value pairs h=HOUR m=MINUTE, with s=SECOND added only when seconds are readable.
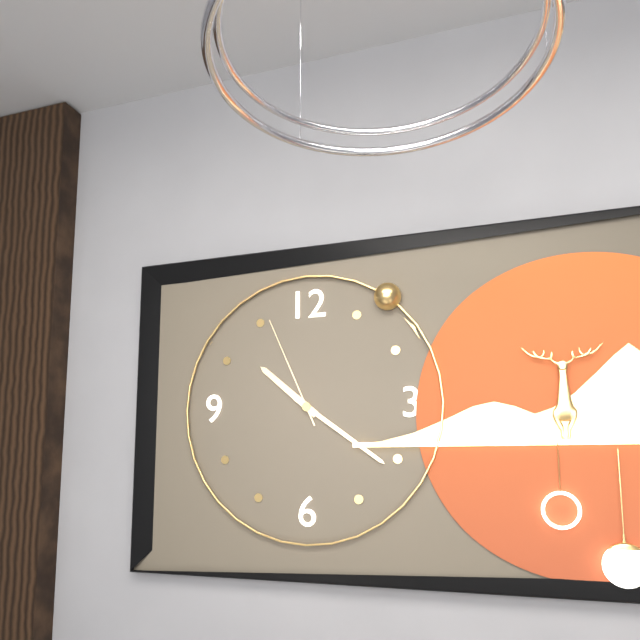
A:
h=10 m=21 s=56
